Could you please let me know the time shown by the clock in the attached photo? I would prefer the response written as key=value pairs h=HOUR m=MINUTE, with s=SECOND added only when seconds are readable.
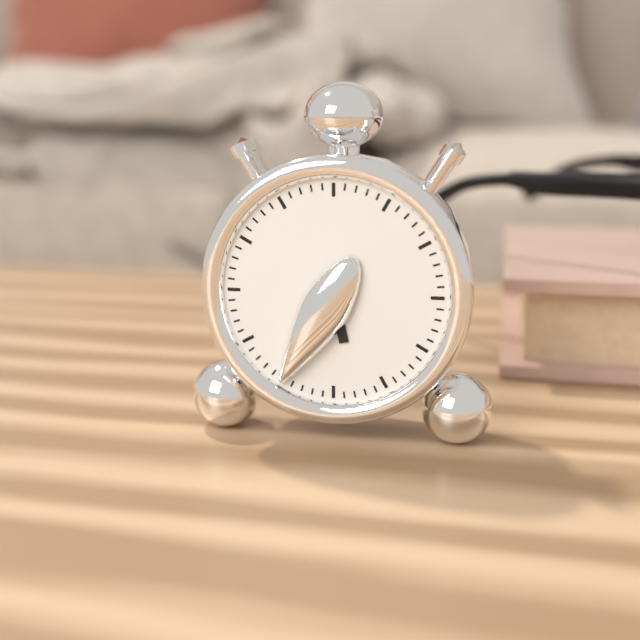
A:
h=5 m=35
